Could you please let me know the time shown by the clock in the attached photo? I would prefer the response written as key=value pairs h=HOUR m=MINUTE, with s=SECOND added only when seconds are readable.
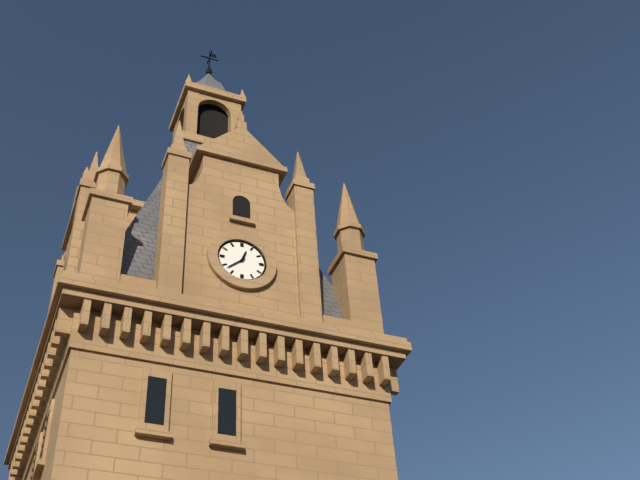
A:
h=12 m=38
